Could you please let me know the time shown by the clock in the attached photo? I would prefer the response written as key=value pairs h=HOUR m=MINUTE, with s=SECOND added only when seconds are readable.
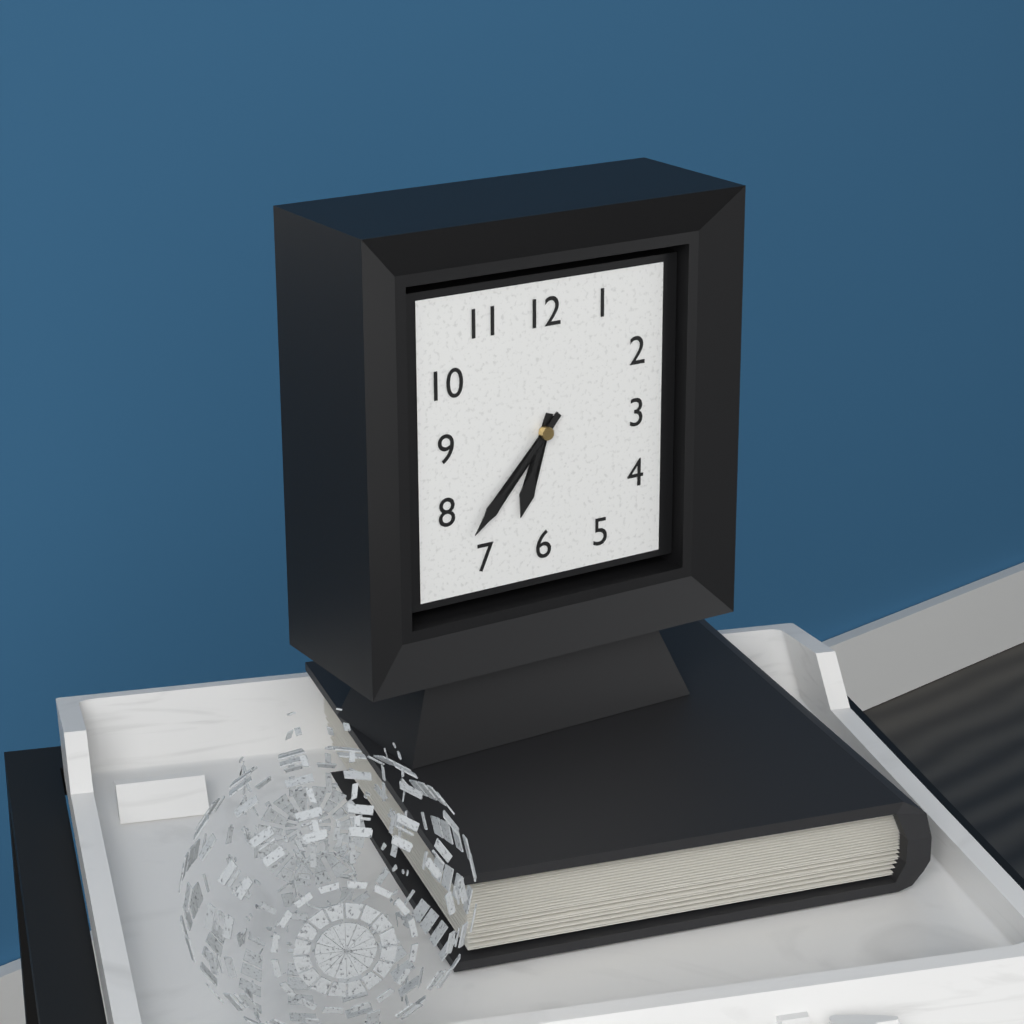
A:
h=6 m=37
